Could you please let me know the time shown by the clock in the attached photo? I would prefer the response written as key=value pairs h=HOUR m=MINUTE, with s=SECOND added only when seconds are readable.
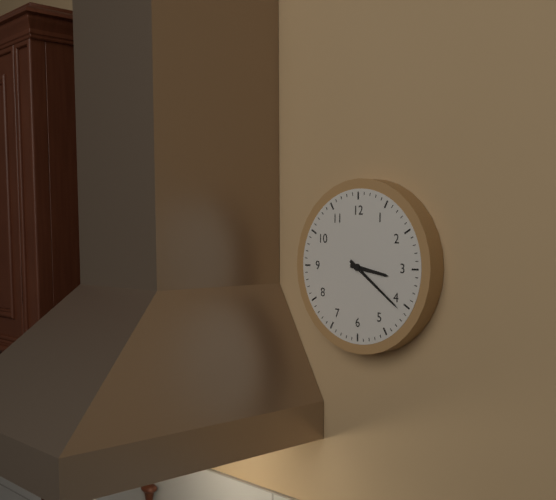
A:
h=3 m=21
